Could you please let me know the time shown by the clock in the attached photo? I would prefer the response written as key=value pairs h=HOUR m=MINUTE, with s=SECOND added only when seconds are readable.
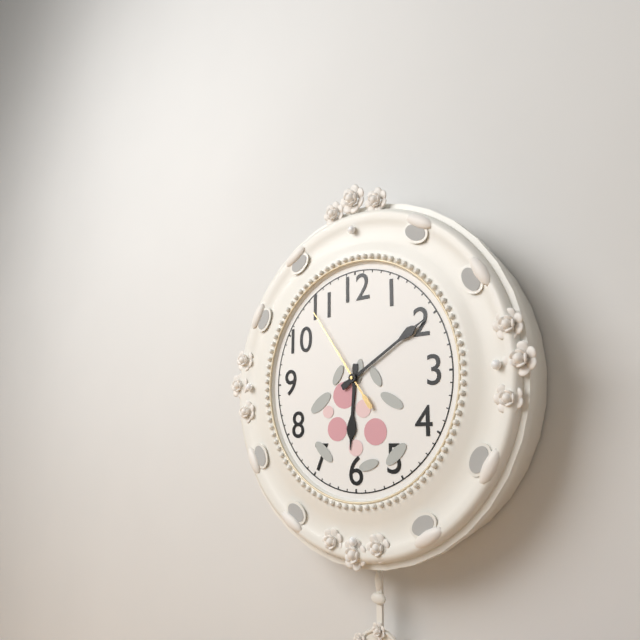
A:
h=6 m=10 s=54
